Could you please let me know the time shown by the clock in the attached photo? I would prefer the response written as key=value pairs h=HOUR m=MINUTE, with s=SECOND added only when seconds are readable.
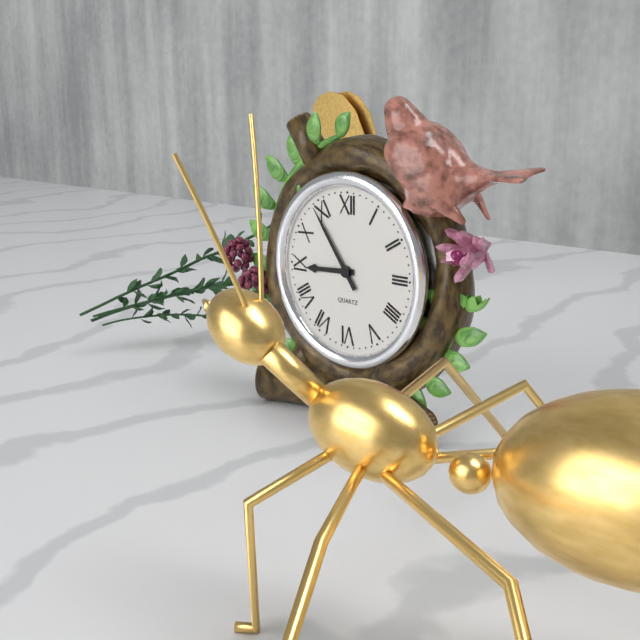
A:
h=8 m=54
